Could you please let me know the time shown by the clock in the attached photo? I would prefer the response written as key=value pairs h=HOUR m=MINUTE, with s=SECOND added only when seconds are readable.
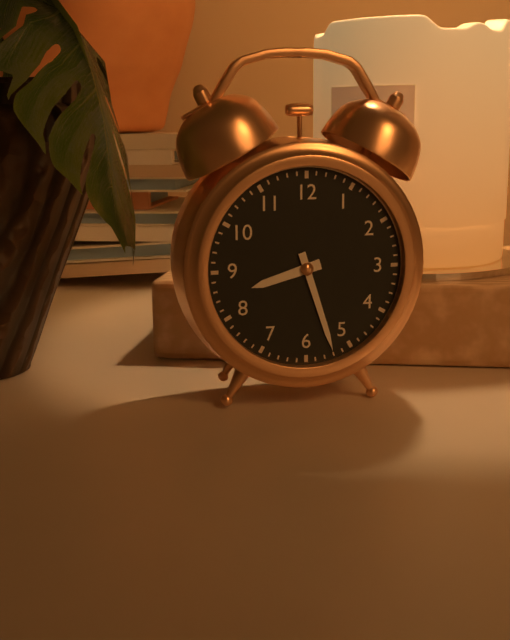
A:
h=8 m=27
